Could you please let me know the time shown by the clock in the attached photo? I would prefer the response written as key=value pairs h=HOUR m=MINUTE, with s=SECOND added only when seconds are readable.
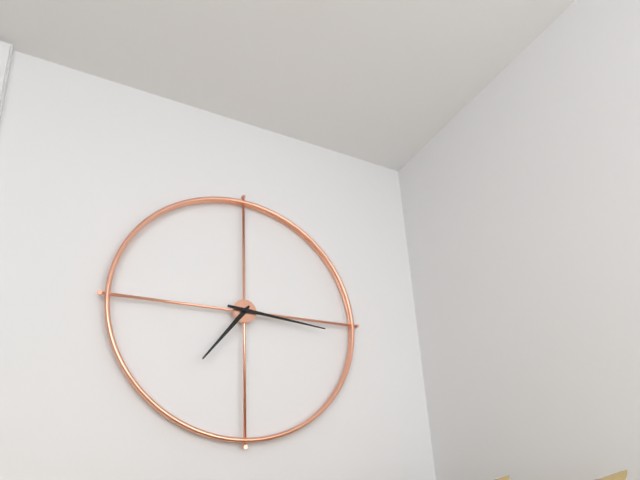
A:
h=7 m=16
